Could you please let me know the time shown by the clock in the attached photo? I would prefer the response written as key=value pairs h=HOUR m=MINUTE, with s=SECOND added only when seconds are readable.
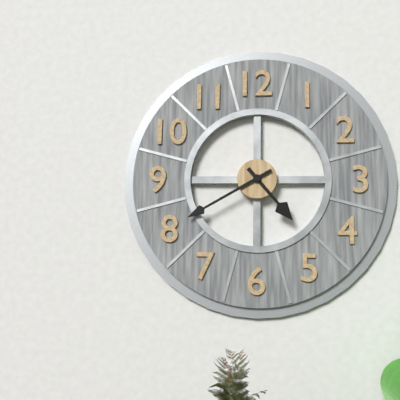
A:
h=4 m=40
